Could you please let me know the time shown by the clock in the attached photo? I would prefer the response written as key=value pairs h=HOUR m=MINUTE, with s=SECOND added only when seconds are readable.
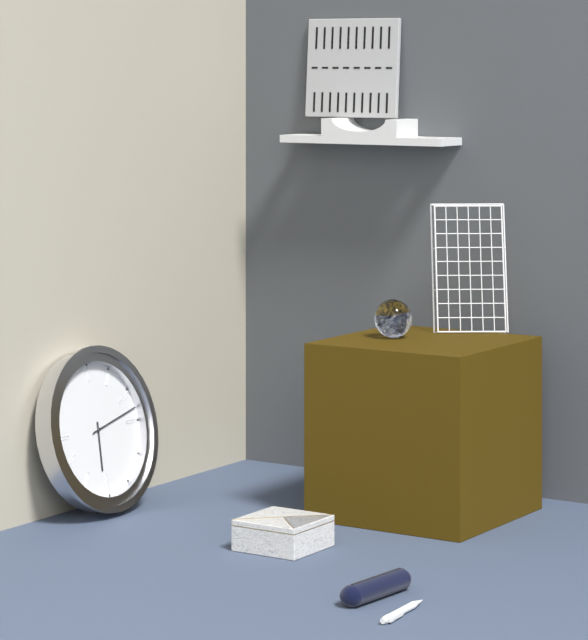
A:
h=6 m=13
